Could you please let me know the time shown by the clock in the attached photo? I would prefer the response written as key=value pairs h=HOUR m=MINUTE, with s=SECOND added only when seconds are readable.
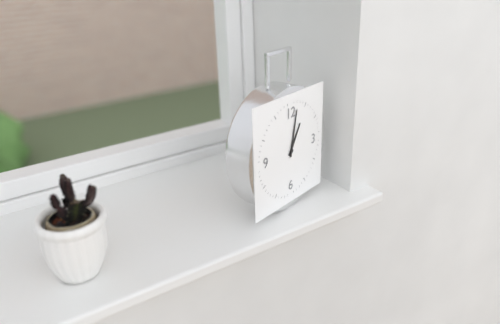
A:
h=1 m=2
